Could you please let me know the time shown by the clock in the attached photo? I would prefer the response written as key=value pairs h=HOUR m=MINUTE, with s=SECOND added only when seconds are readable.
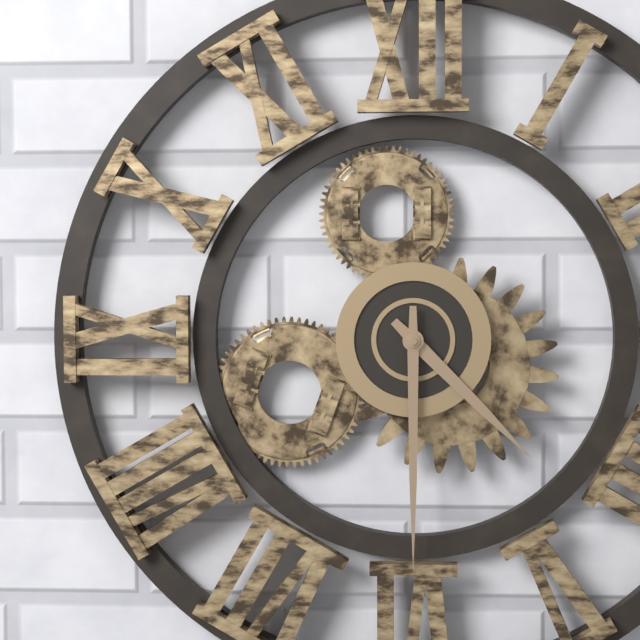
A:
h=4 m=30
